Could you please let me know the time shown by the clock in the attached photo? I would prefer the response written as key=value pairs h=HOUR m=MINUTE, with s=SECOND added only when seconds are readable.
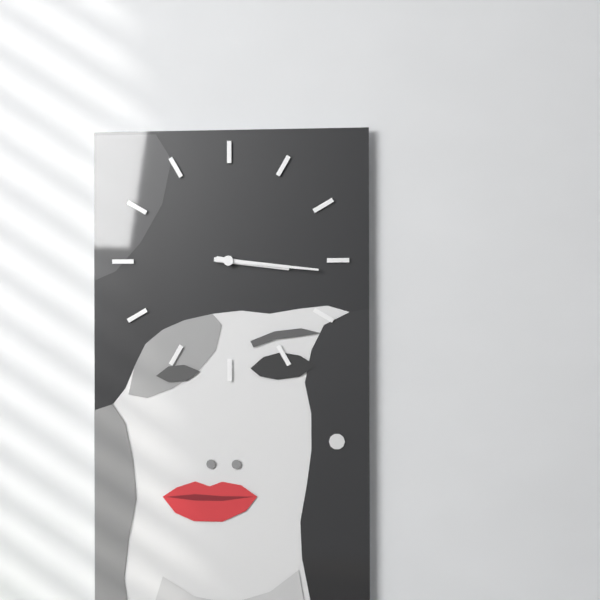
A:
h=3 m=16
